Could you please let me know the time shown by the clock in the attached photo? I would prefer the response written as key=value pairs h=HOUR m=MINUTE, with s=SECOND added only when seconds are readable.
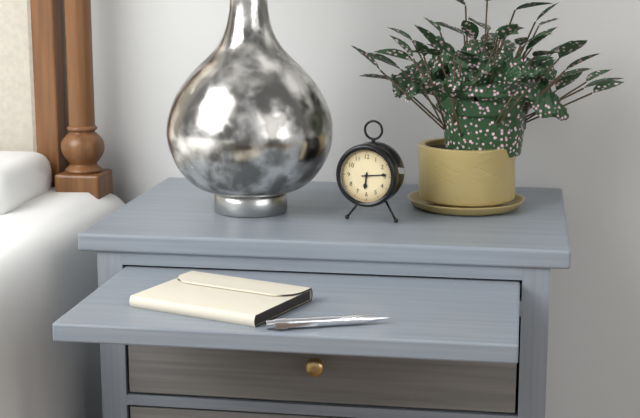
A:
h=6 m=14
